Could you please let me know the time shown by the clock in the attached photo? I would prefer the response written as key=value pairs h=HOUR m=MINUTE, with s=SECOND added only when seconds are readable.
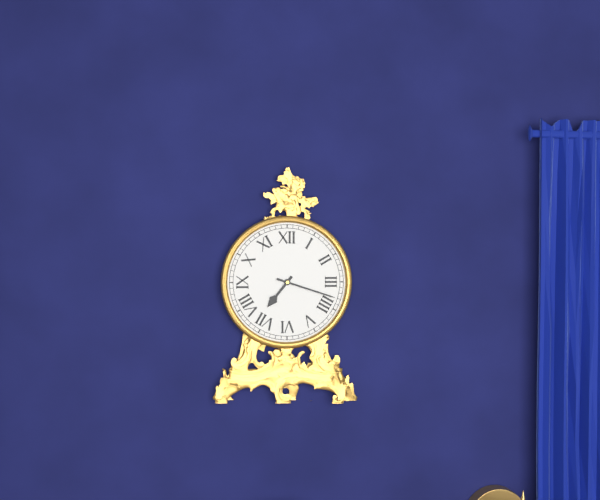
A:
h=7 m=18
